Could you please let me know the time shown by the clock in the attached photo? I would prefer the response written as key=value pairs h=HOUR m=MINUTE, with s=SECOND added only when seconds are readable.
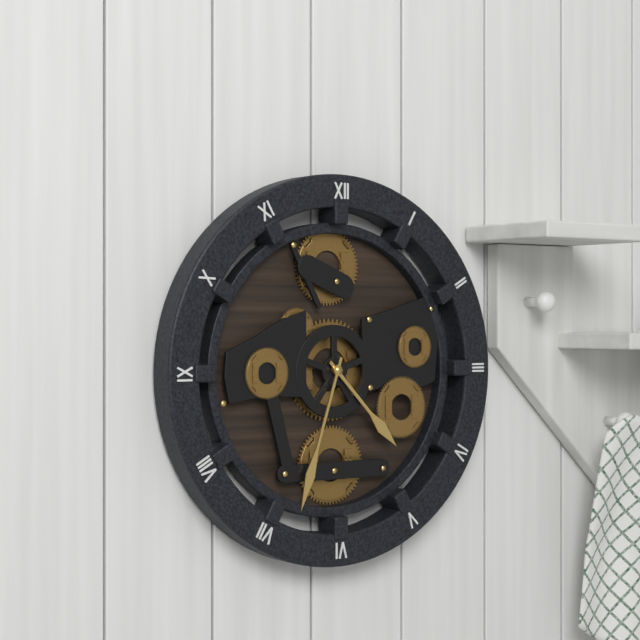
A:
h=4 m=33
